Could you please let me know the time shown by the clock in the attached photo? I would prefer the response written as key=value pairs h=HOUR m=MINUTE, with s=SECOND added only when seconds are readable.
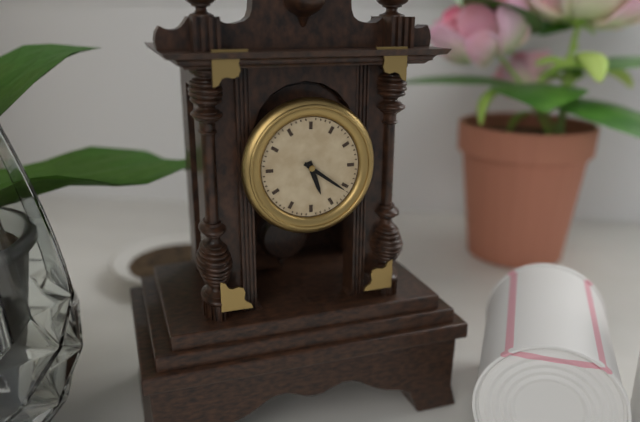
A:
h=5 m=21
